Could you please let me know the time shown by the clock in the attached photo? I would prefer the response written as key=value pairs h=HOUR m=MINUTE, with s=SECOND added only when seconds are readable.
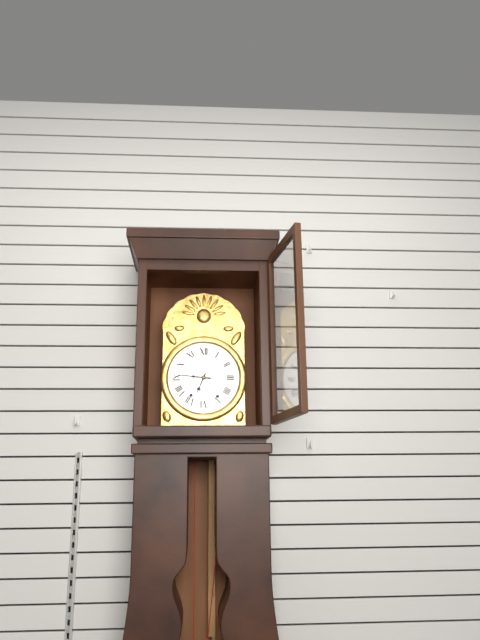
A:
h=6 m=46
